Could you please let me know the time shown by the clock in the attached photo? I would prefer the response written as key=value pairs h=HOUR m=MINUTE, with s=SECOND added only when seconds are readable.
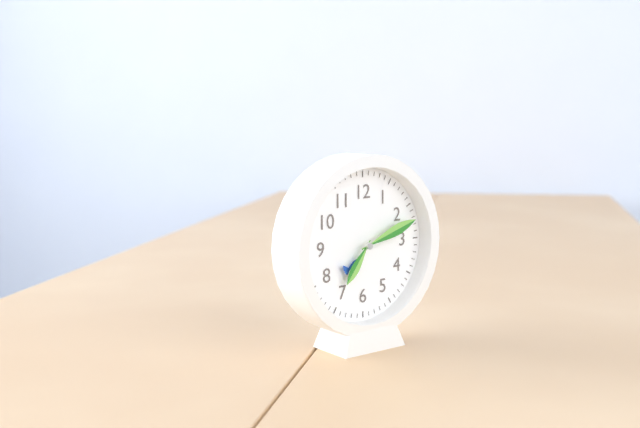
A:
h=7 m=12
